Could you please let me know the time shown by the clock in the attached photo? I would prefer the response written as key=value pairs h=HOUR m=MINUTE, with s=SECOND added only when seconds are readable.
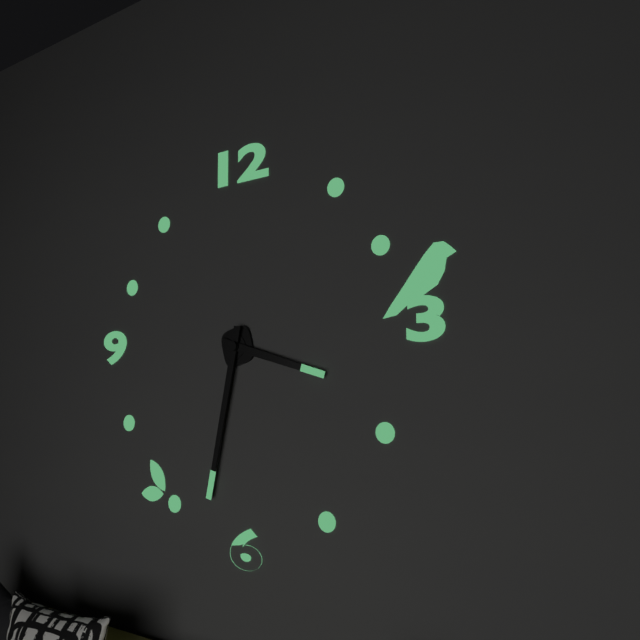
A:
h=3 m=32
